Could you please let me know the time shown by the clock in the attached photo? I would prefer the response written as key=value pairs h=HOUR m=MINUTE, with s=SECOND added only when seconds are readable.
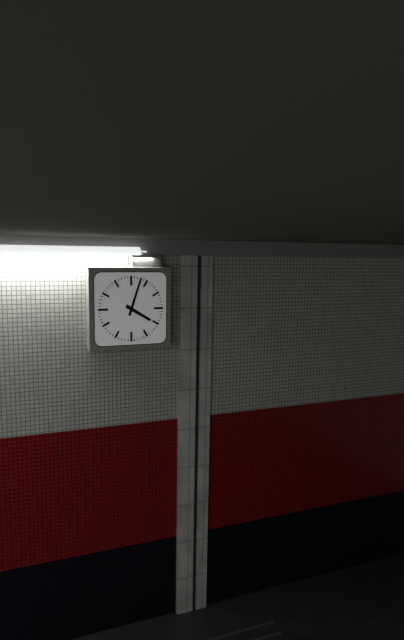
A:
h=4 m=3
